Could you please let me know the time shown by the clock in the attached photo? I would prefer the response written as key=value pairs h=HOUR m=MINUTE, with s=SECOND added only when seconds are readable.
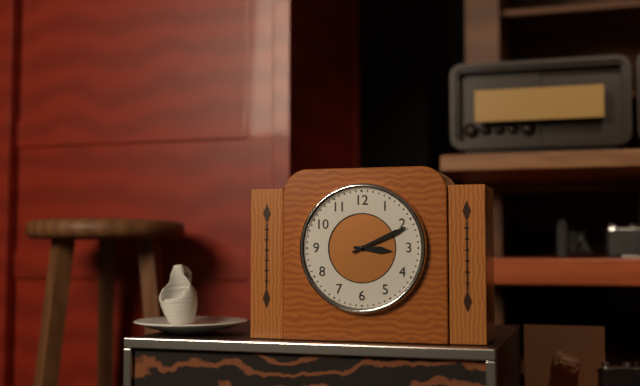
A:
h=3 m=11
